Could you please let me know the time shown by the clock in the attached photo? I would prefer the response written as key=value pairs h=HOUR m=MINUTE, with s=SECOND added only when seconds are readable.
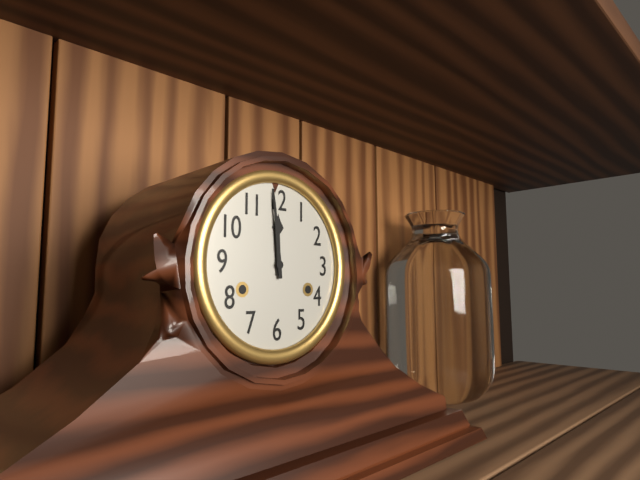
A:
h=11 m=59
